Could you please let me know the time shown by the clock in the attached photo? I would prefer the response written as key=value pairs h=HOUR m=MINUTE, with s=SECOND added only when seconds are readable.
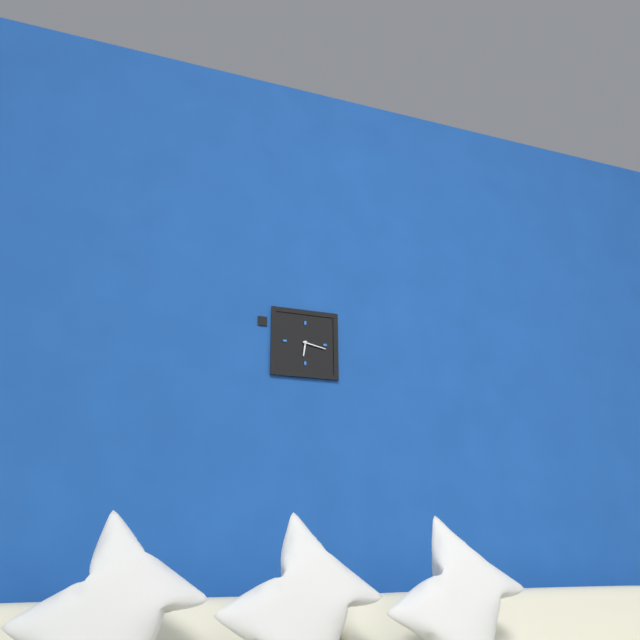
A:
h=6 m=17
